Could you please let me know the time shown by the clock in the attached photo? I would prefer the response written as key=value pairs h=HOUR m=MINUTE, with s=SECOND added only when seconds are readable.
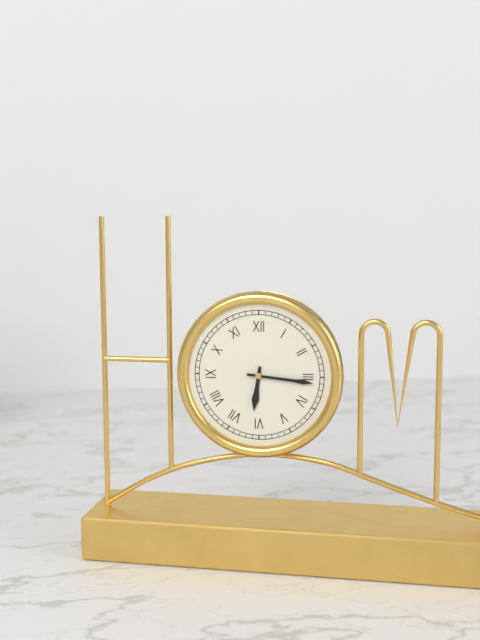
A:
h=6 m=16
